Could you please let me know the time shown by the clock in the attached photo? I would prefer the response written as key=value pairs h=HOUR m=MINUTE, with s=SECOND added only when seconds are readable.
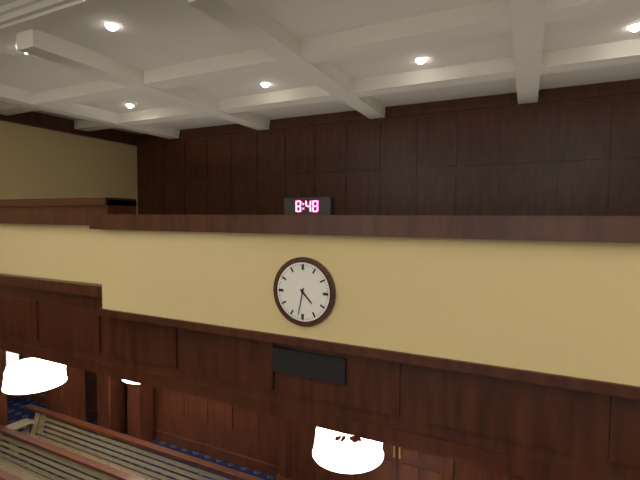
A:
h=4 m=32
